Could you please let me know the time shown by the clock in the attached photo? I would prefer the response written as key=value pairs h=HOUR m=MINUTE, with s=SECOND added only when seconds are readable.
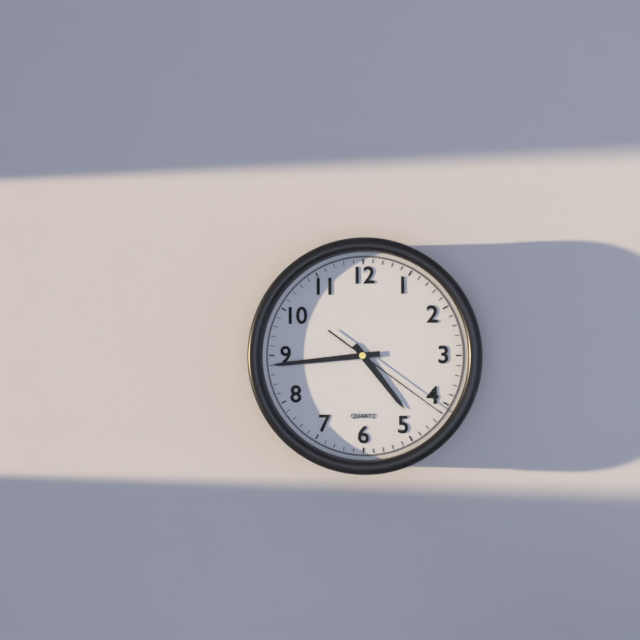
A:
h=4 m=44 s=21
